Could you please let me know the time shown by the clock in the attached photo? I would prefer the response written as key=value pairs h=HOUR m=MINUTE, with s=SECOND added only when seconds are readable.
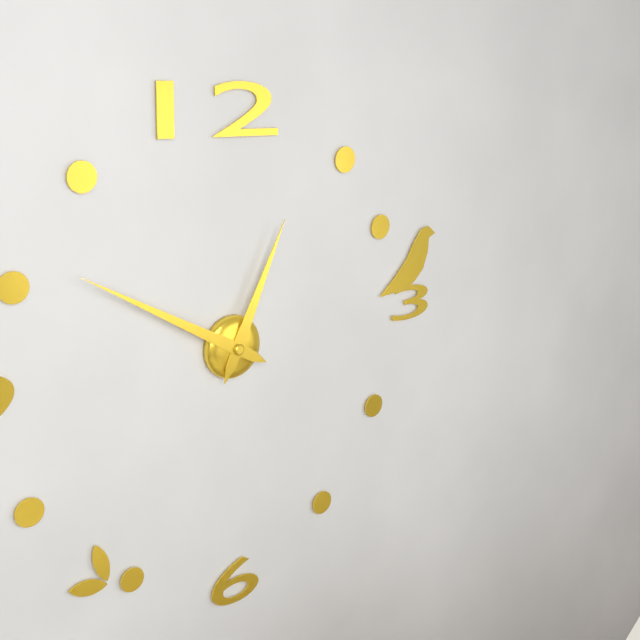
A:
h=12 m=50
